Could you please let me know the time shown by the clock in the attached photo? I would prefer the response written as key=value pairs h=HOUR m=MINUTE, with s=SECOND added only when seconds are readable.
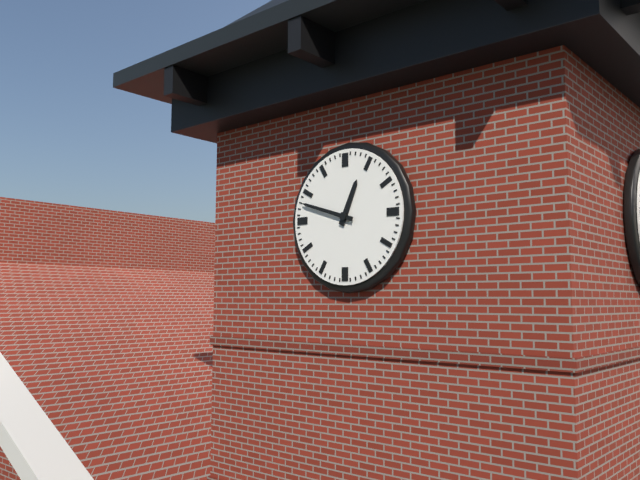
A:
h=12 m=48
